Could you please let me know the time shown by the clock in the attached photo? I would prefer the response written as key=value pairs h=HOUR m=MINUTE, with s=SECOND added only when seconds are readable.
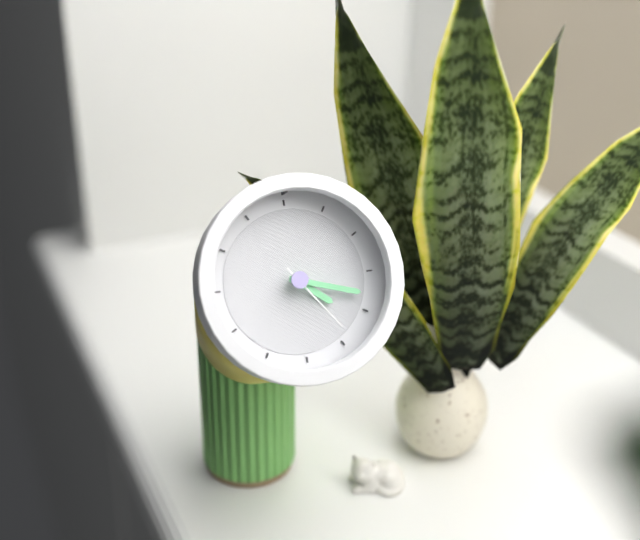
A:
h=4 m=18 s=24
